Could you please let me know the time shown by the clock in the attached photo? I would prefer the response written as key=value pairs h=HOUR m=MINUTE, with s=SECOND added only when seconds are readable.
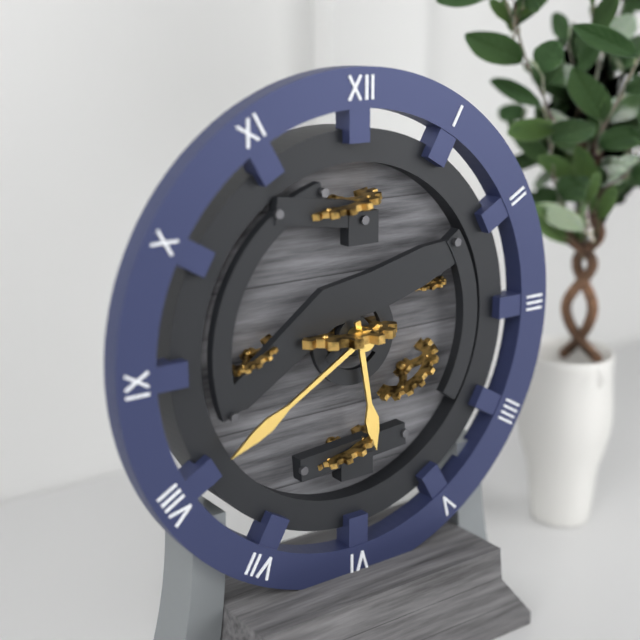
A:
h=5 m=40
